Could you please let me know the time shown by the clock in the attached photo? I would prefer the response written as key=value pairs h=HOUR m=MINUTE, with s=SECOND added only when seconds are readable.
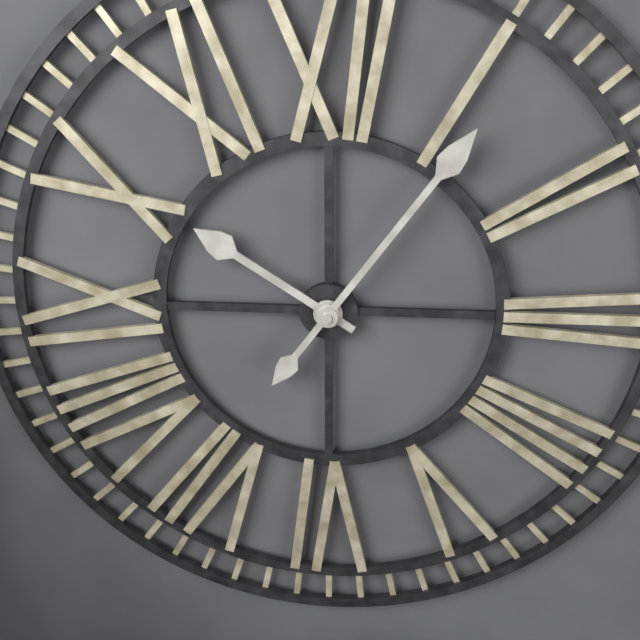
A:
h=10 m=6
